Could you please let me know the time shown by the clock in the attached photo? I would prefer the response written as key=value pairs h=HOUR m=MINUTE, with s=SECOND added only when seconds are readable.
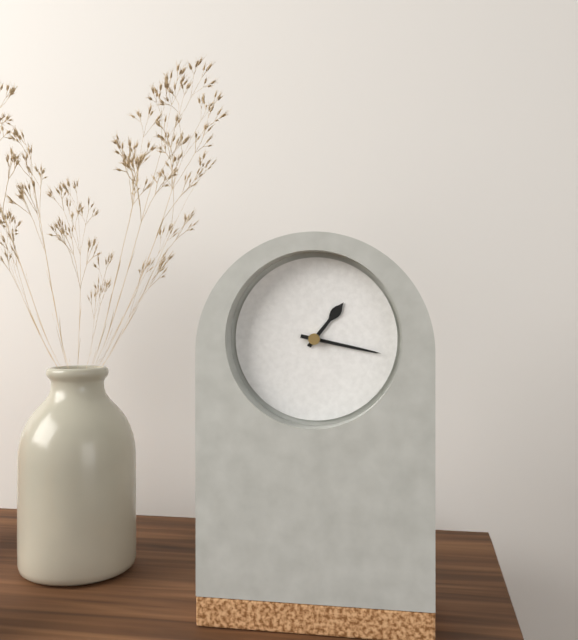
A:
h=1 m=17
